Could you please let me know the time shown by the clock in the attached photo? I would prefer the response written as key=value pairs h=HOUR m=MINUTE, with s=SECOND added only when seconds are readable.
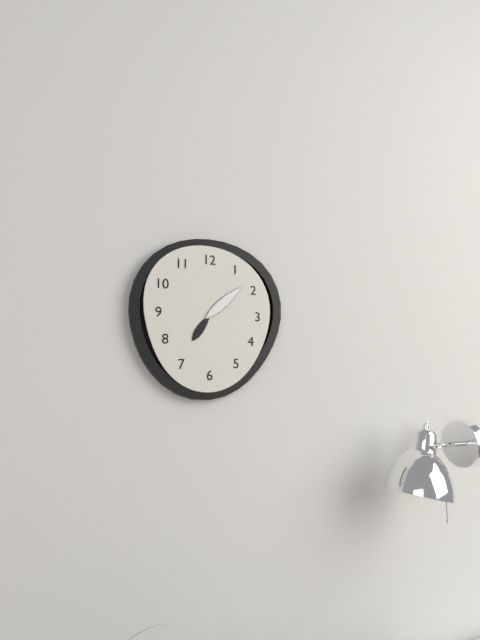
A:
h=7 m=8
